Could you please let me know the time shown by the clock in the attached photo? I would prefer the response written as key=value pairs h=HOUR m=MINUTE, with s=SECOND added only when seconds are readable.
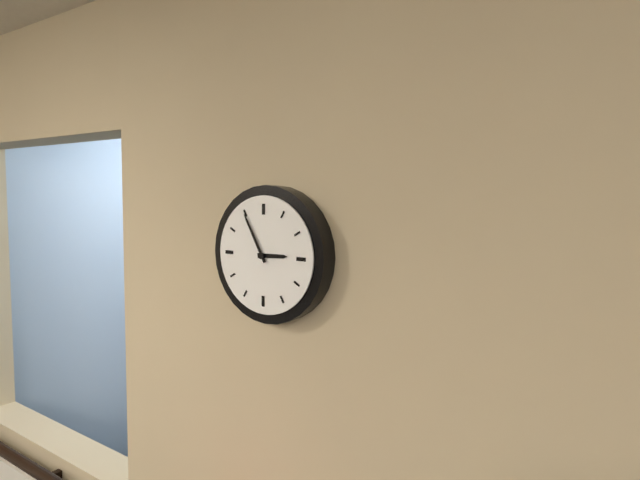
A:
h=2 m=55
